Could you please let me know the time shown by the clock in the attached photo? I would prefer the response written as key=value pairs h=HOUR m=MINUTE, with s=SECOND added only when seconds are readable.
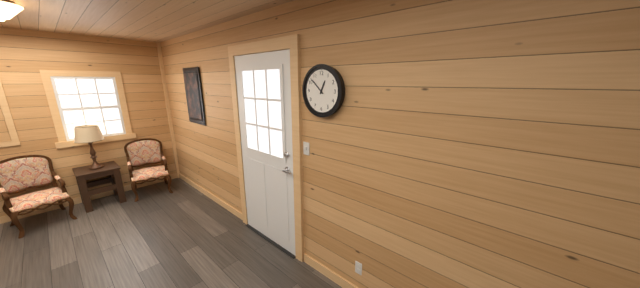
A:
h=12 m=52
